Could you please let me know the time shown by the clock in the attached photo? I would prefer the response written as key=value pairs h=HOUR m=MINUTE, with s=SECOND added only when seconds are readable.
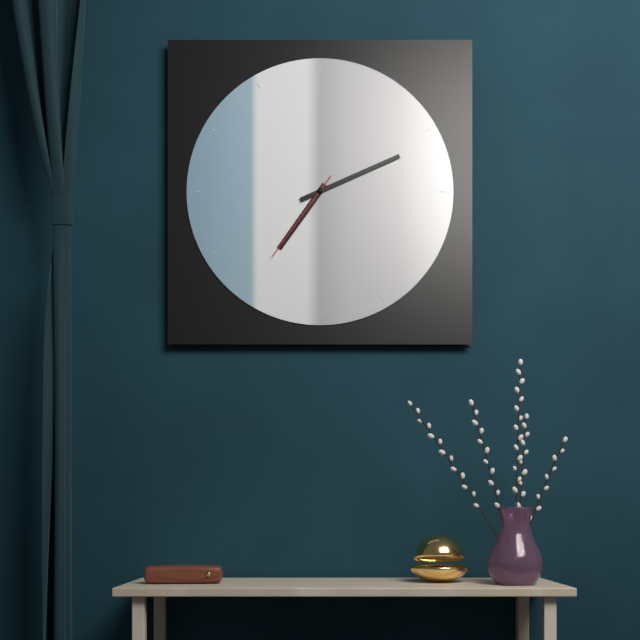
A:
h=7 m=11 s=36
